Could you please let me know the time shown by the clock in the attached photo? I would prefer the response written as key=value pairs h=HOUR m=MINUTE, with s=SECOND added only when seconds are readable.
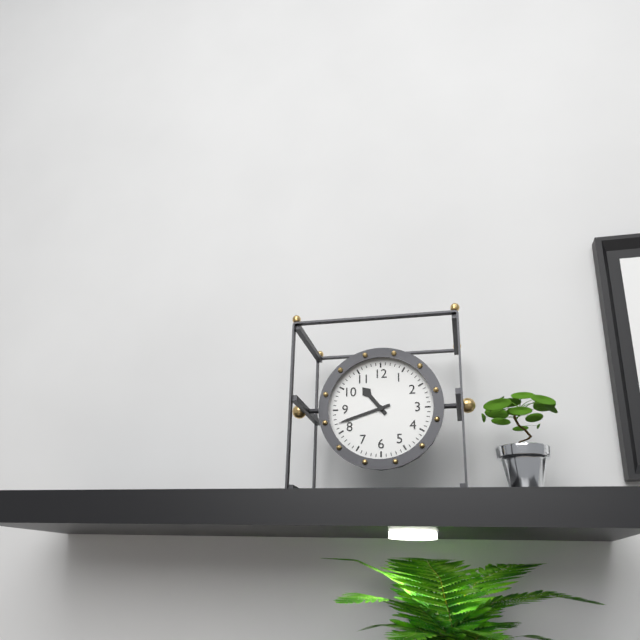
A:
h=10 m=42
